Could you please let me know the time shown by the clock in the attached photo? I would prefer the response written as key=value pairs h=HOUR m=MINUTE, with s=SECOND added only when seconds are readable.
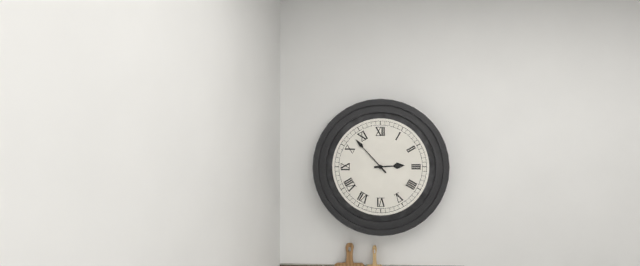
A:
h=2 m=53
